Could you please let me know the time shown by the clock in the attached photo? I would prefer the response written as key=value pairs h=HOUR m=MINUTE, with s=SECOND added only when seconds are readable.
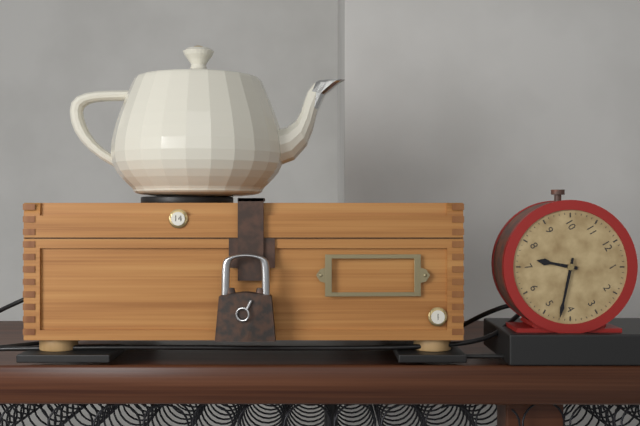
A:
h=7 m=22
